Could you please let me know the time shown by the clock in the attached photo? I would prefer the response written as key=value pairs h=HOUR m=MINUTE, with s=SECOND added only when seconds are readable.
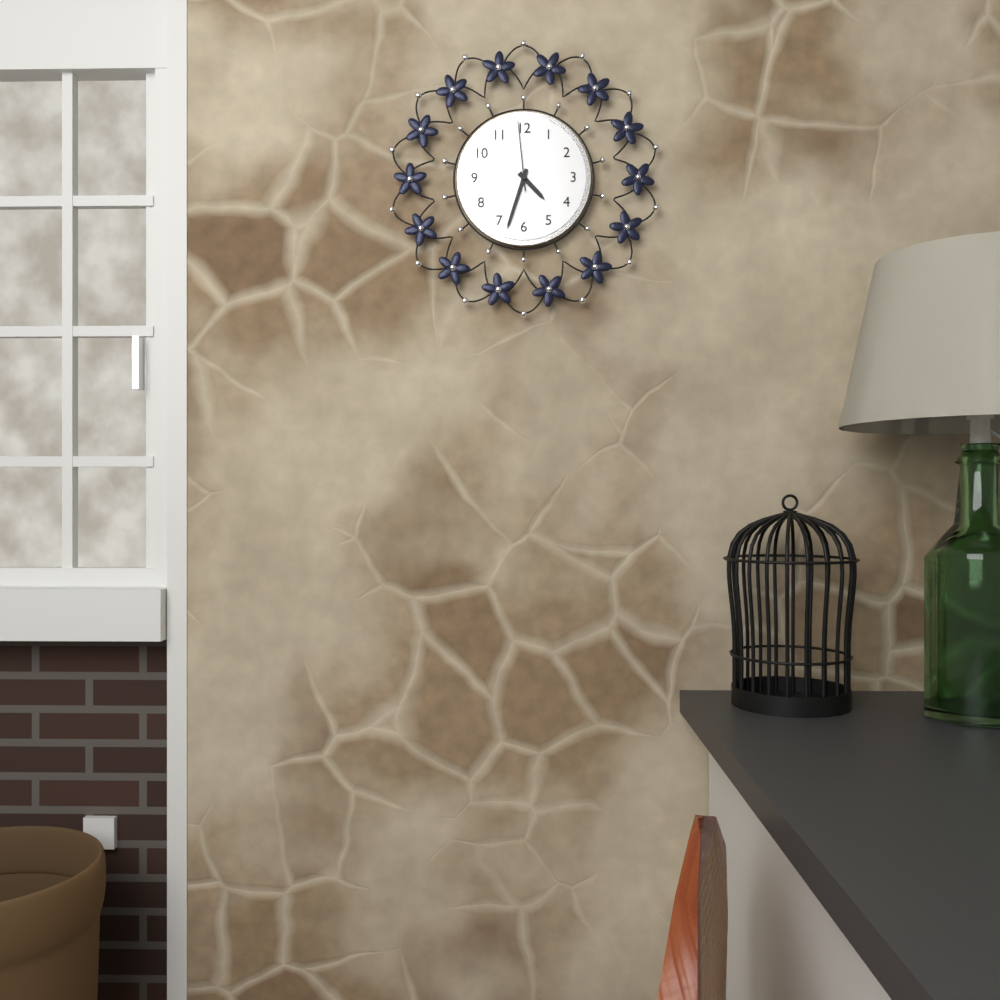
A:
h=4 m=33 s=59
